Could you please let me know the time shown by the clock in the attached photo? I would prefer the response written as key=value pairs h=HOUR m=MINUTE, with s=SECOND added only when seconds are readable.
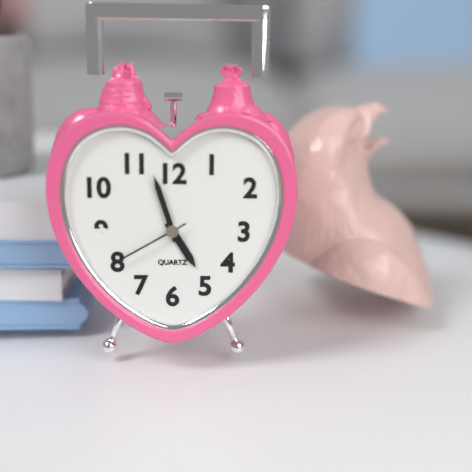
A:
h=4 m=57 s=40
